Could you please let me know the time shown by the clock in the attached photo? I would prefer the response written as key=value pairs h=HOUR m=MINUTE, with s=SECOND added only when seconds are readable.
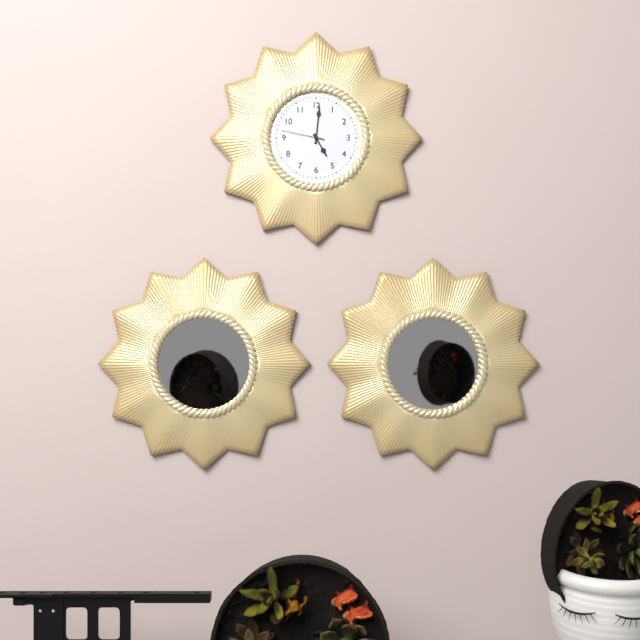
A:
h=5 m=1
